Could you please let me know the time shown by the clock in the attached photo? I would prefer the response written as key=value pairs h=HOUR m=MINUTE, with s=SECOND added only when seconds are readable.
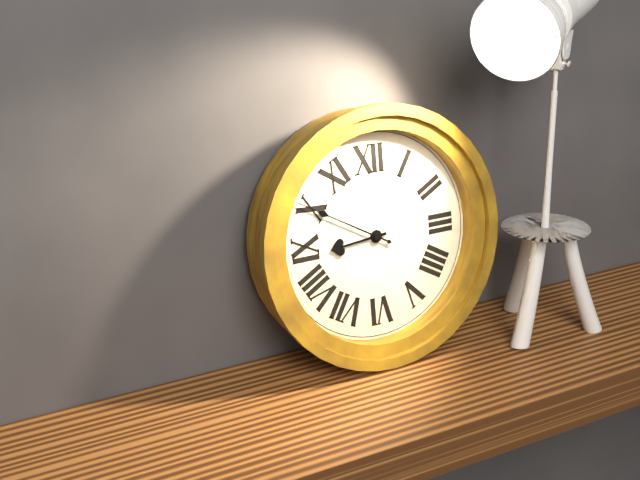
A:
h=8 m=50
